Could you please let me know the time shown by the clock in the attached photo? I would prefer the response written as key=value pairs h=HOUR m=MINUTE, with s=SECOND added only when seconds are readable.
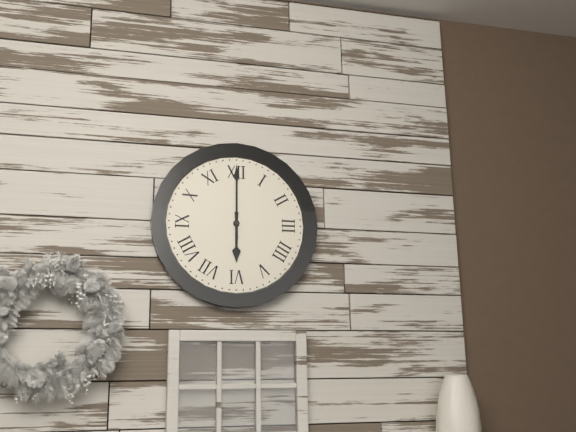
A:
h=6 m=0
